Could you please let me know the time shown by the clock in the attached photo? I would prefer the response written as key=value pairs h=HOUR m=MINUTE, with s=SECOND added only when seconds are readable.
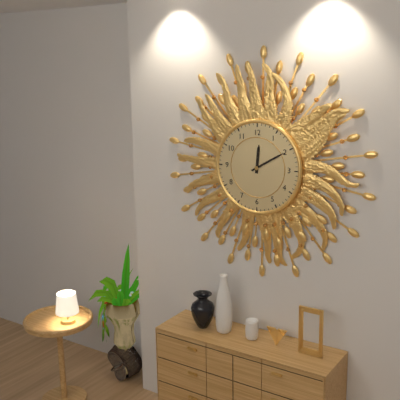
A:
h=12 m=10
